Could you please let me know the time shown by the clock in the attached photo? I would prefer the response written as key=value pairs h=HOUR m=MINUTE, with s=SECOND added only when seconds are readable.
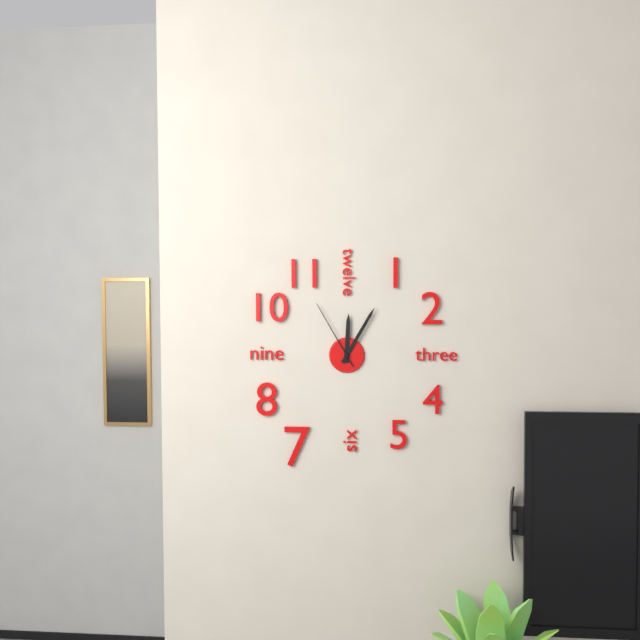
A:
h=12 m=5 s=55
